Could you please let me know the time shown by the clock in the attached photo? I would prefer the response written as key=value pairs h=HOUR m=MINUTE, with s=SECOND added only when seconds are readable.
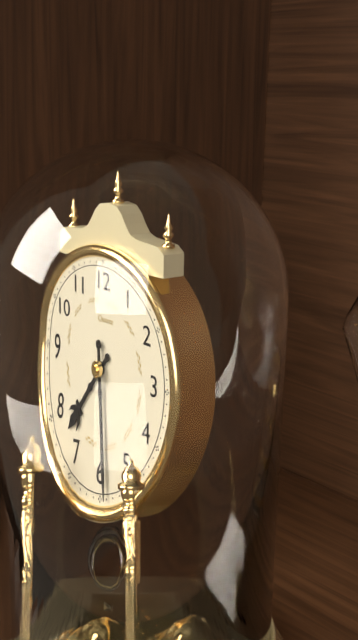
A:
h=7 m=29
